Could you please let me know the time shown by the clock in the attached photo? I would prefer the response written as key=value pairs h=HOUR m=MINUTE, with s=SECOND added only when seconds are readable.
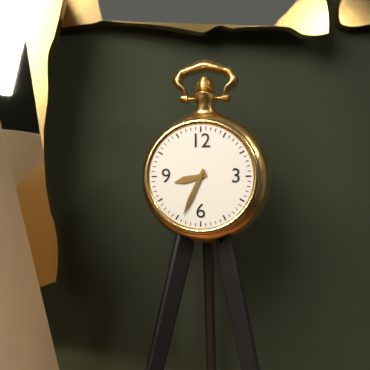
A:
h=8 m=34
